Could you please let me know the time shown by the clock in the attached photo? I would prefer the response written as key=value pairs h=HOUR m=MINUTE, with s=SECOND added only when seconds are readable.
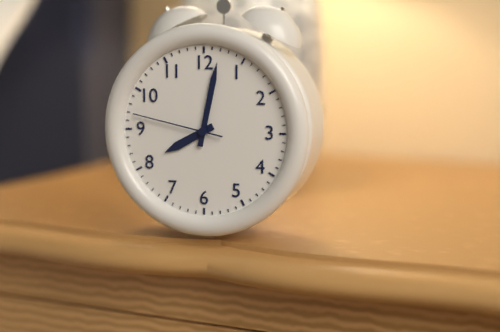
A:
h=8 m=2 s=47
